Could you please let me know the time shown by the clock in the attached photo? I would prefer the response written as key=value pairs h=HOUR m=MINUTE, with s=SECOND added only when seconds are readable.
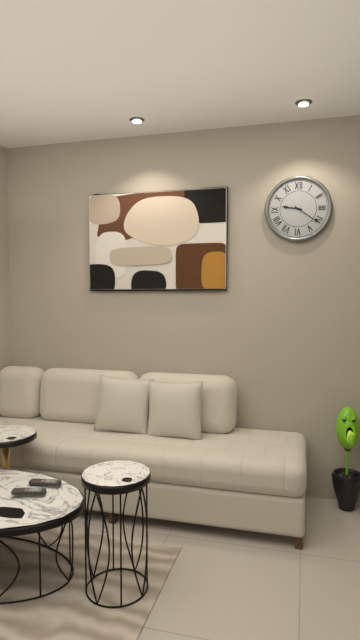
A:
h=9 m=21
